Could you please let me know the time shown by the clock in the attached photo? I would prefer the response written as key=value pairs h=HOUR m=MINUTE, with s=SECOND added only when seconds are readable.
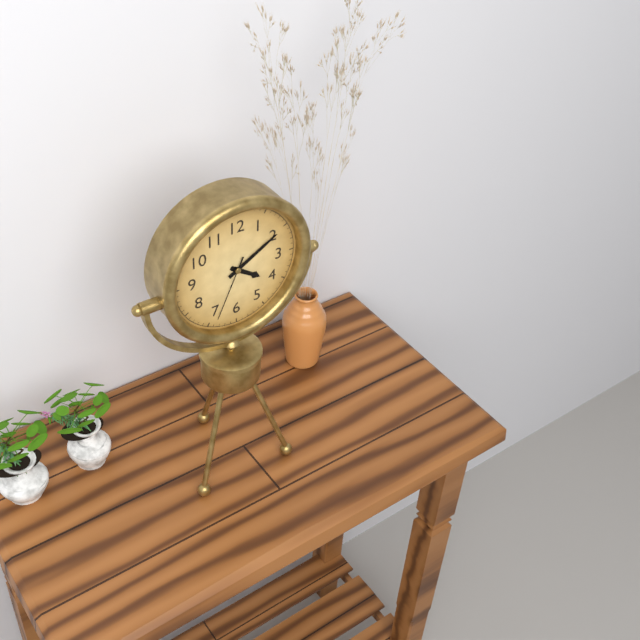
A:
h=4 m=10 s=34
